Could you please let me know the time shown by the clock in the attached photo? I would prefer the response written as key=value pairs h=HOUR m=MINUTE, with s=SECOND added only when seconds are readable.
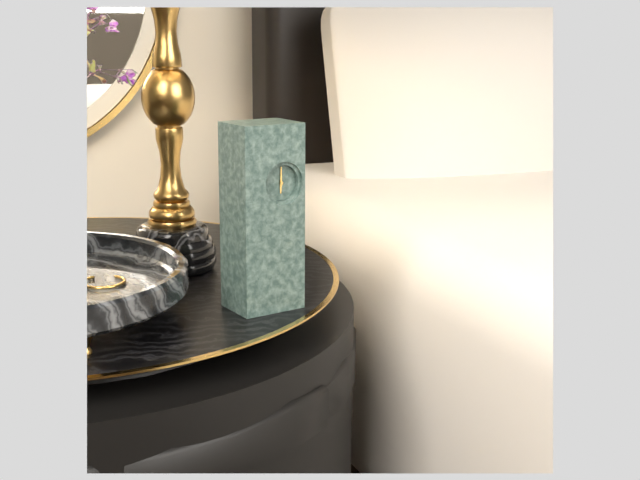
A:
h=6 m=0
